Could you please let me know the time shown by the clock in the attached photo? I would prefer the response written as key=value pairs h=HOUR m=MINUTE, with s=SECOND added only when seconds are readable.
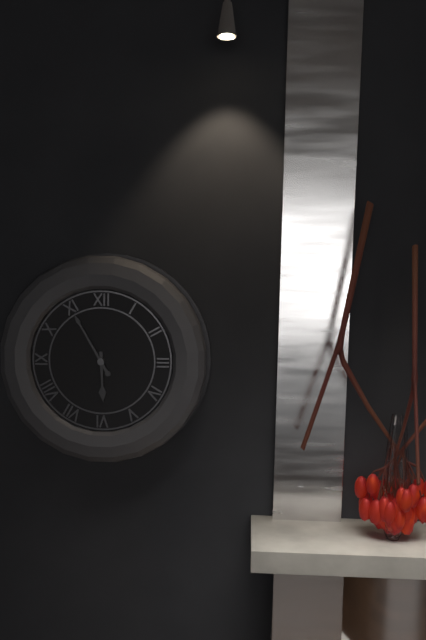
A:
h=5 m=55
